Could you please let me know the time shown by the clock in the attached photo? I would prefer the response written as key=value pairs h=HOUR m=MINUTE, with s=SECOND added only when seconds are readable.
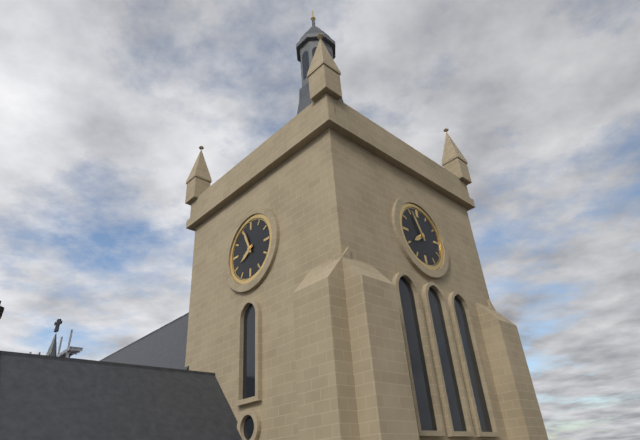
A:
h=7 m=56
